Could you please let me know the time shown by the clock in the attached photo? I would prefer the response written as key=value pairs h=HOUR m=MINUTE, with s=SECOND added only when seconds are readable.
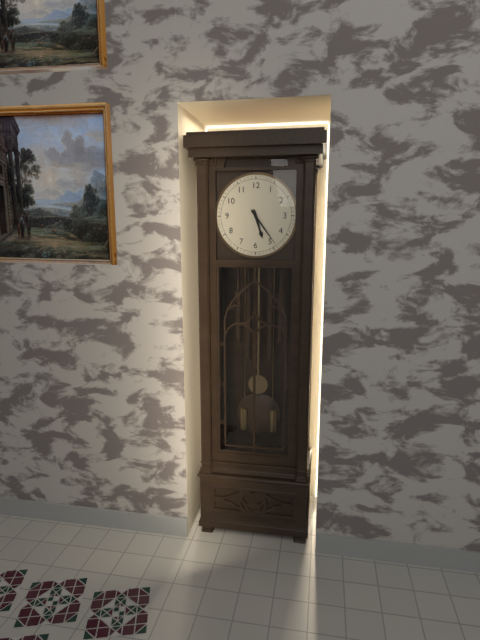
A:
h=5 m=24
